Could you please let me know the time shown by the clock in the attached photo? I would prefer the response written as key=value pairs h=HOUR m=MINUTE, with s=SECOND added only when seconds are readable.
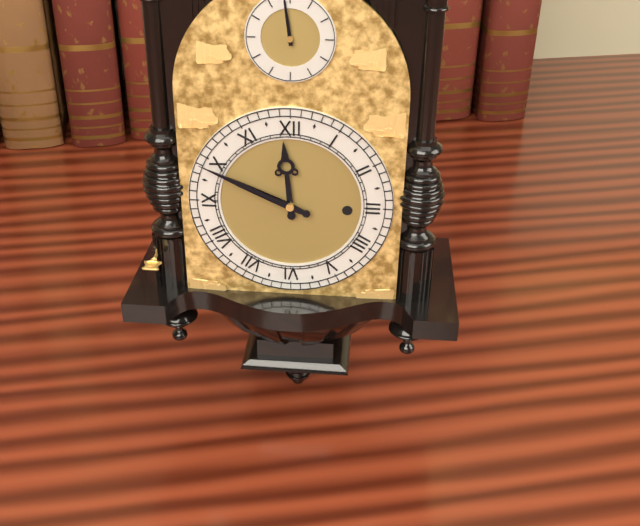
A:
h=11 m=49
